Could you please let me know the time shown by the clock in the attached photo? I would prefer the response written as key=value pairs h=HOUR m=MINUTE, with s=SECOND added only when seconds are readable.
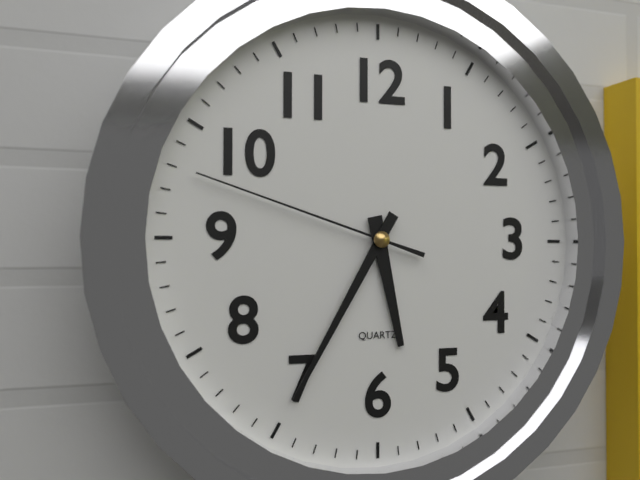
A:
h=5 m=35 s=48
